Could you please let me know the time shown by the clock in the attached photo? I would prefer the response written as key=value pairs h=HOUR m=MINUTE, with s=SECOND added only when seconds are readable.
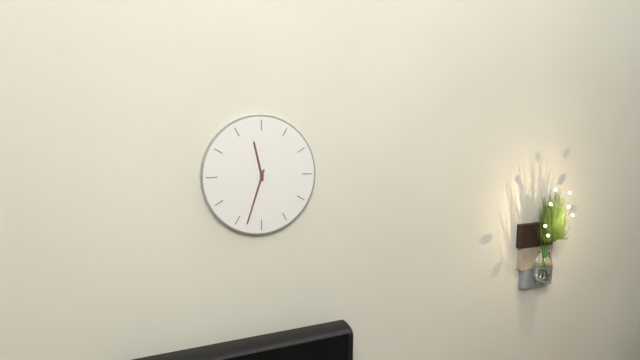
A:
h=11 m=33
